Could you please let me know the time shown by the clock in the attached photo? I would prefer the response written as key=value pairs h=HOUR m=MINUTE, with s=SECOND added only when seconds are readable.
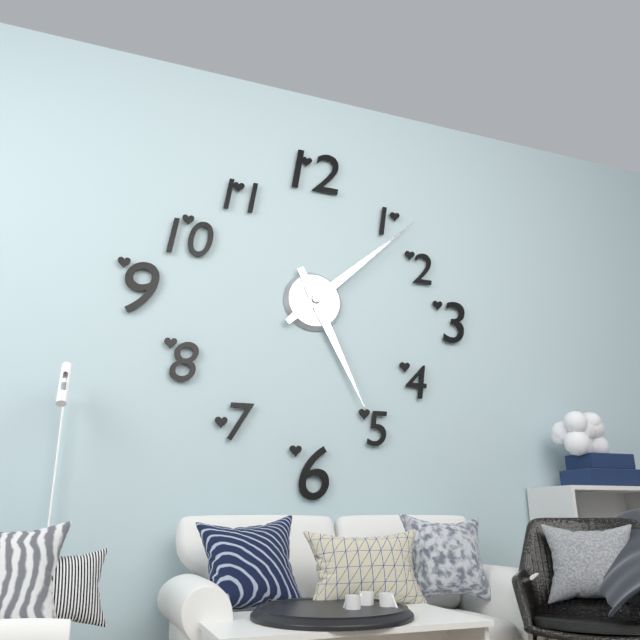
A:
h=5 m=8
